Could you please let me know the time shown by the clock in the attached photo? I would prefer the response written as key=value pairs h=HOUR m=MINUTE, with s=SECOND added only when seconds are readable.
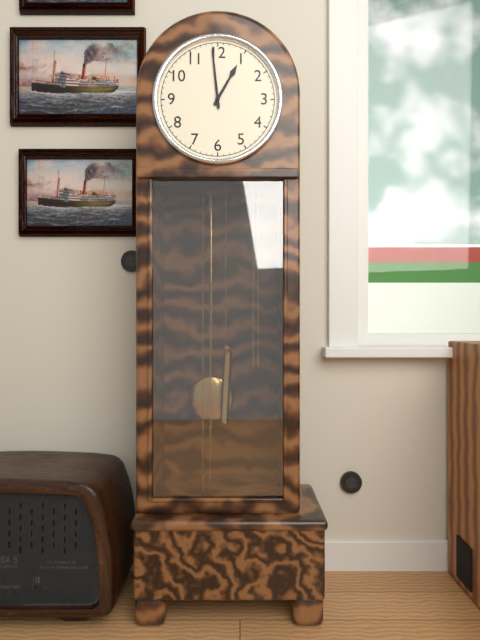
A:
h=12 m=59
